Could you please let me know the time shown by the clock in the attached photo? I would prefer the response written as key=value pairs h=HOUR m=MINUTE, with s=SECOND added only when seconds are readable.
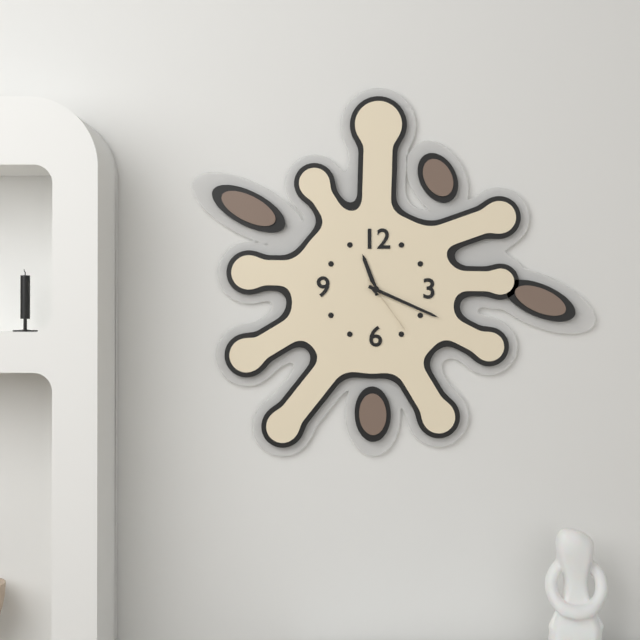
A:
h=11 m=19 s=24
